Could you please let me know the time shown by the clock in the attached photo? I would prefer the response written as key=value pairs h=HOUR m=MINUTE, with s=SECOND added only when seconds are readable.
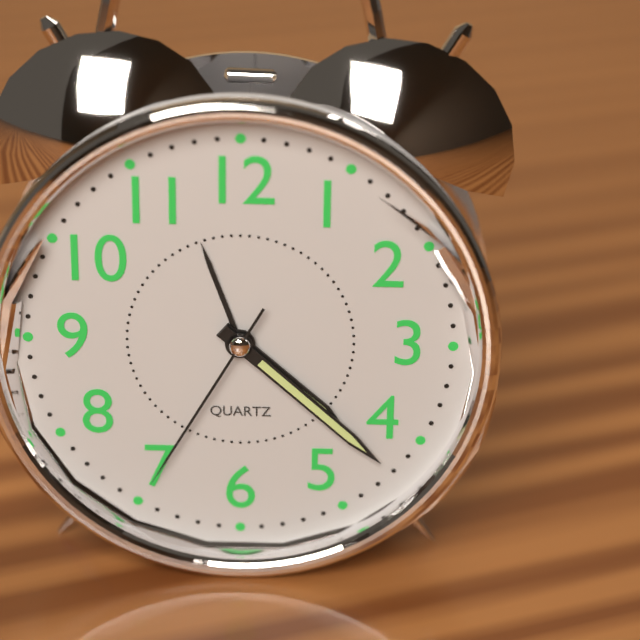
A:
h=4 m=22 s=35
